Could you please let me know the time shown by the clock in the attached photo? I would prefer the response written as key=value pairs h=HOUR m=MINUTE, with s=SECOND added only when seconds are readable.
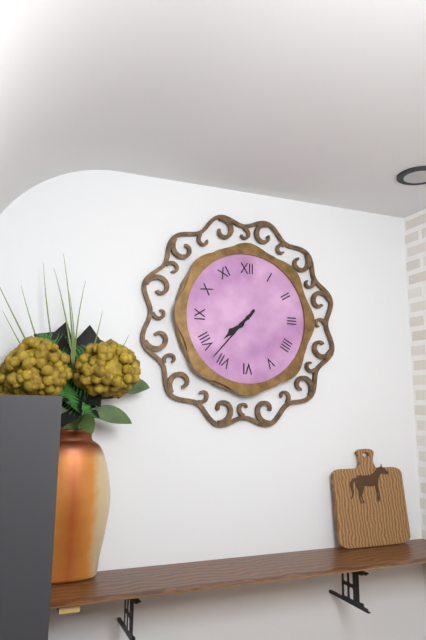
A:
h=7 m=37
